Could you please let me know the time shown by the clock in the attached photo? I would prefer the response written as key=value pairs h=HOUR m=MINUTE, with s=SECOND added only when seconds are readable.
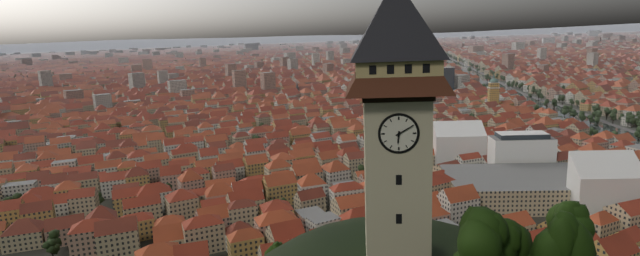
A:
h=6 m=10
